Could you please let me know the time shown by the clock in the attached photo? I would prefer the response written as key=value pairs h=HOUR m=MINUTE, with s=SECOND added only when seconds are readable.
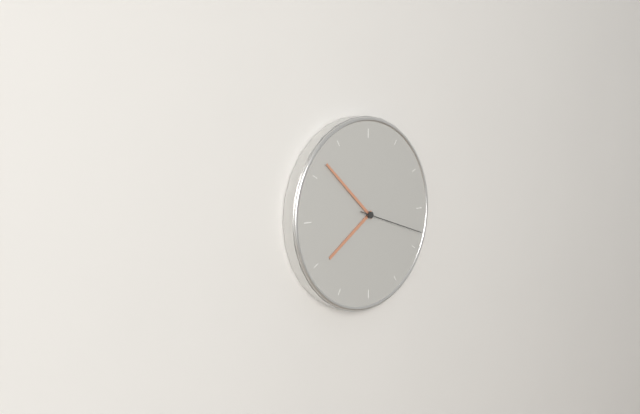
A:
h=7 m=52 s=18
